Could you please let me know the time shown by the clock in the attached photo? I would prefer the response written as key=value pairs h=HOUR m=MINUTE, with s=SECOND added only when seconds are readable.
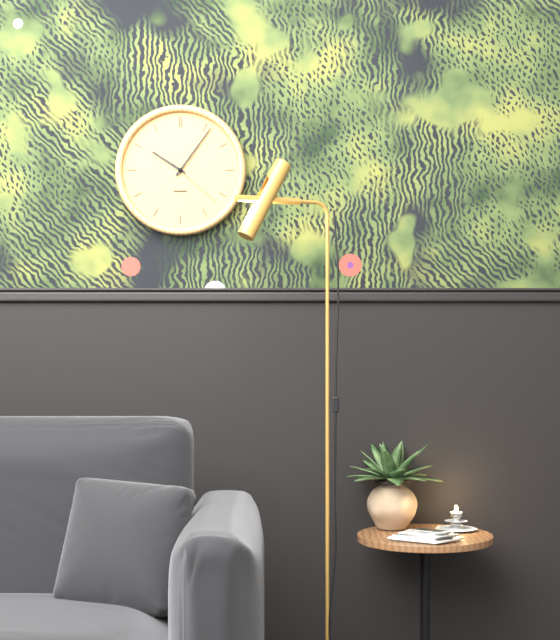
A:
h=10 m=6 s=22
